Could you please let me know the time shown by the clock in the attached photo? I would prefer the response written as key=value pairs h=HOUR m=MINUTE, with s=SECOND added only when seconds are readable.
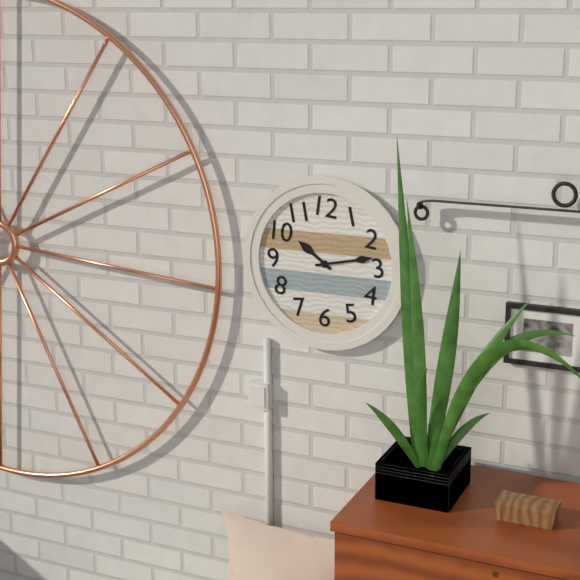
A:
h=10 m=13
